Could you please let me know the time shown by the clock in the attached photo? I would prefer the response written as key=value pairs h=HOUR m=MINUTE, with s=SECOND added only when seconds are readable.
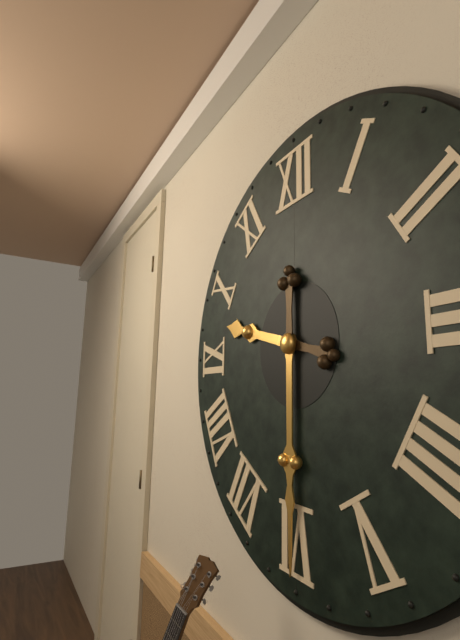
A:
h=9 m=30
